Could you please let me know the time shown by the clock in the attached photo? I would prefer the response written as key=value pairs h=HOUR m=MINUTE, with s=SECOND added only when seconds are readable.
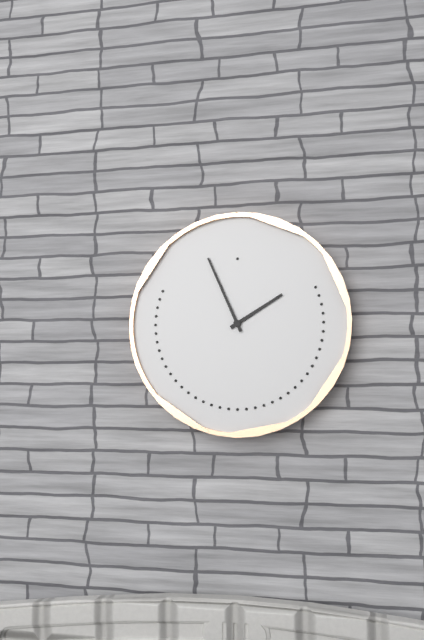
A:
h=1 m=56
